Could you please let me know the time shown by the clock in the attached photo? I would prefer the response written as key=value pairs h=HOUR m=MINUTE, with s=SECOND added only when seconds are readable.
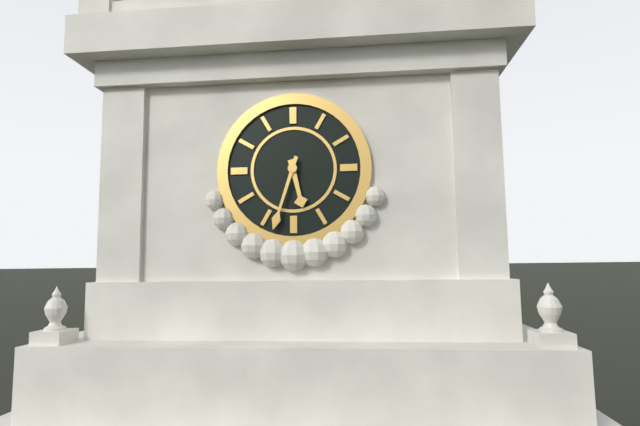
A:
h=5 m=33
